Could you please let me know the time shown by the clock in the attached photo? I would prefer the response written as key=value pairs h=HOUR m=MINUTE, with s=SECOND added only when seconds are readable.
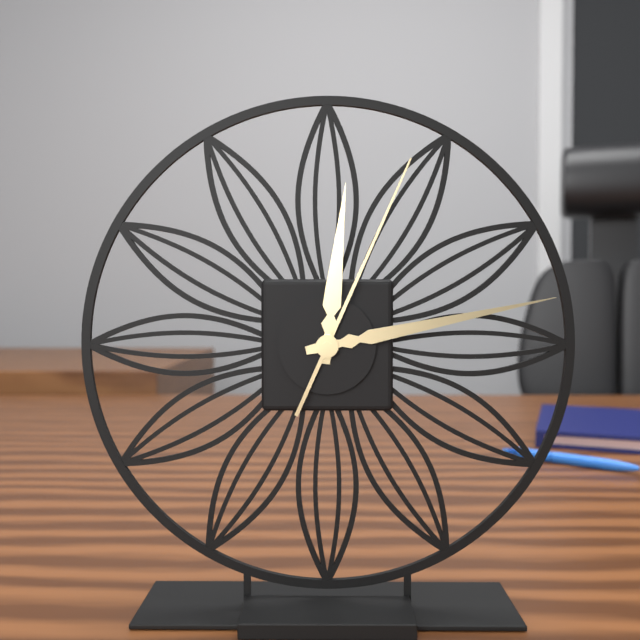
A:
h=12 m=13 s=4
